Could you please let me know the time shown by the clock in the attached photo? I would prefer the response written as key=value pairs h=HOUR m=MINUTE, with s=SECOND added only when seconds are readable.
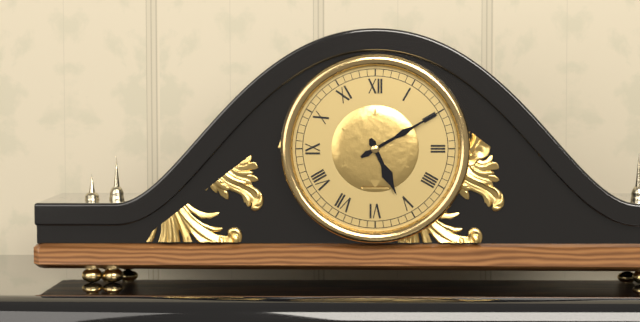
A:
h=5 m=10
